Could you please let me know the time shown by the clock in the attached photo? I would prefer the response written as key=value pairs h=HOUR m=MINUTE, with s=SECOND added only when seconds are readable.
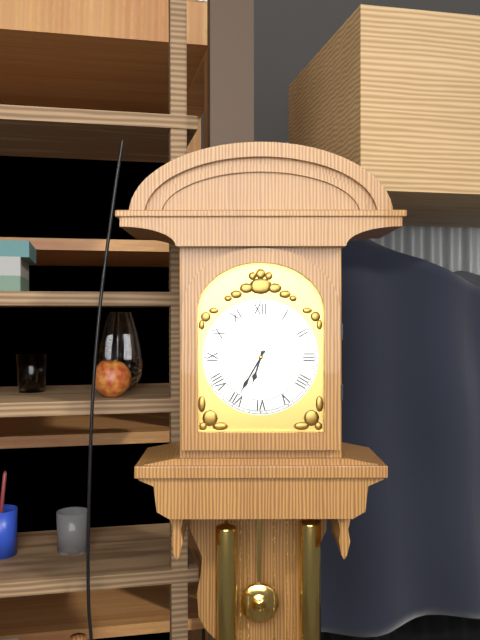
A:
h=6 m=35
